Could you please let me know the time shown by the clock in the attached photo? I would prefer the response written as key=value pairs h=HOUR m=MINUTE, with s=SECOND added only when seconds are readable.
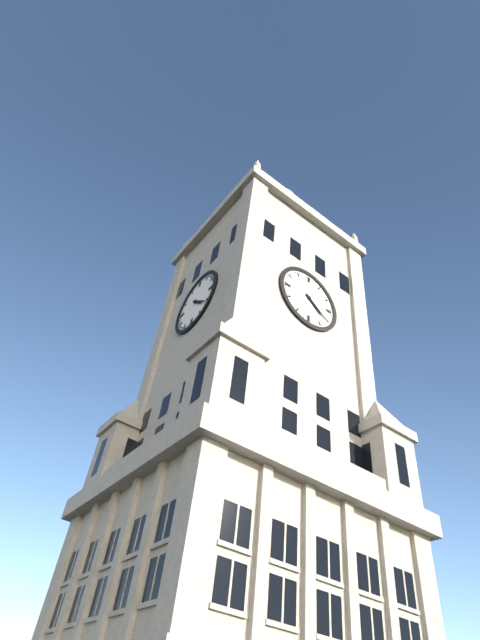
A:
h=4 m=21
